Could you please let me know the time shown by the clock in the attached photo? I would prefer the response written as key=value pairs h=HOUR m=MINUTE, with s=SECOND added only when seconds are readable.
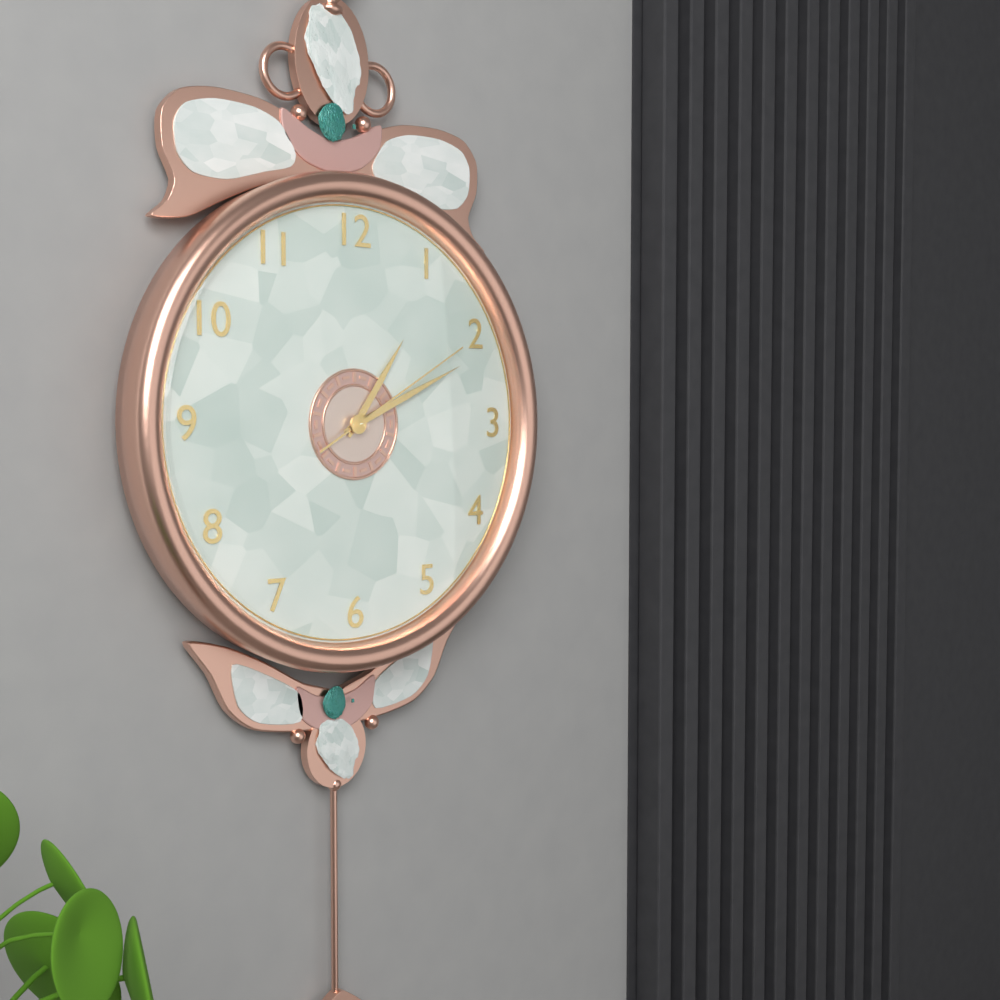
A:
h=1 m=11 s=10
